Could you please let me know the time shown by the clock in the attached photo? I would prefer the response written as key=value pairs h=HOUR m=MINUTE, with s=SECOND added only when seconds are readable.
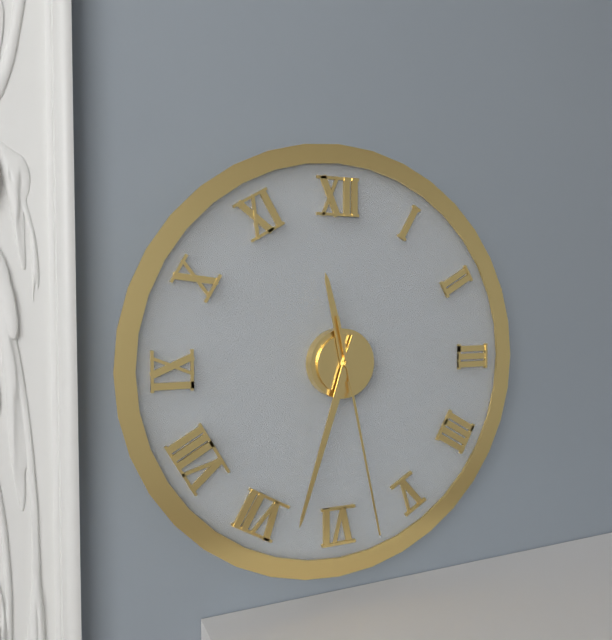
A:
h=11 m=33 s=28
